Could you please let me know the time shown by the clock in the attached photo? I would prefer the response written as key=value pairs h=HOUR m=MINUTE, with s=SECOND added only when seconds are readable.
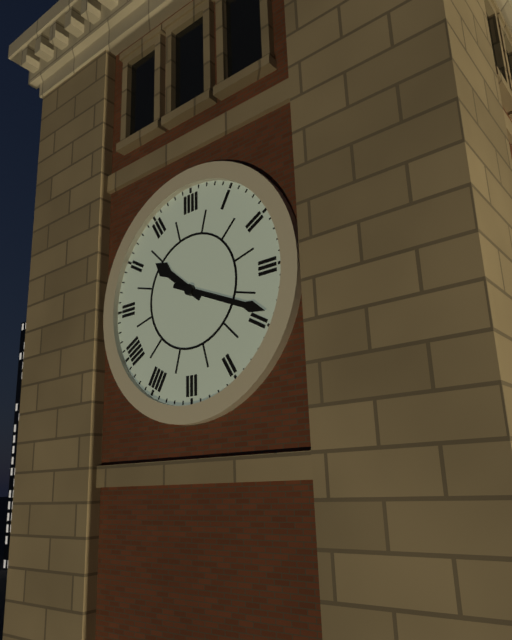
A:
h=10 m=19
